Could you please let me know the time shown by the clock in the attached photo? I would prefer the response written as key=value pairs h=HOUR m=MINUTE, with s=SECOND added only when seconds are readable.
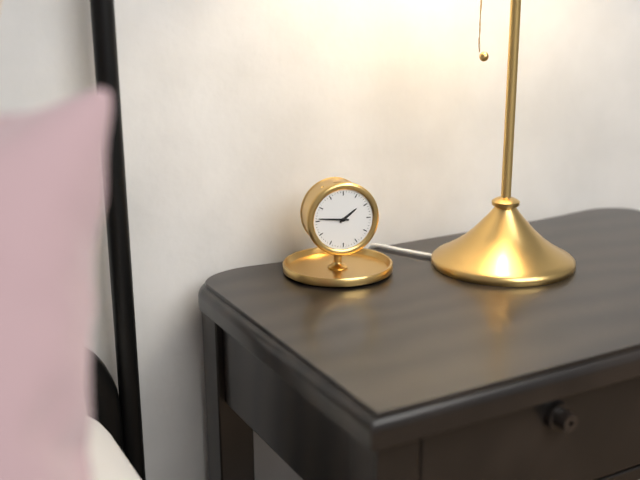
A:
h=1 m=46
